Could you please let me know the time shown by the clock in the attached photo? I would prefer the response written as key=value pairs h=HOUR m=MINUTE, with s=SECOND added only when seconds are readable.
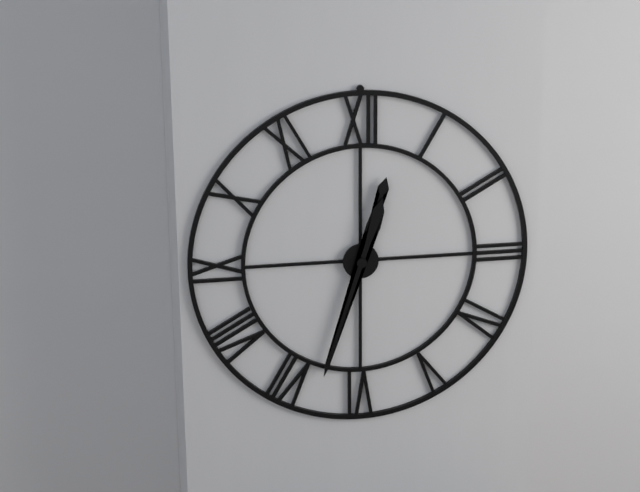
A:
h=12 m=33
